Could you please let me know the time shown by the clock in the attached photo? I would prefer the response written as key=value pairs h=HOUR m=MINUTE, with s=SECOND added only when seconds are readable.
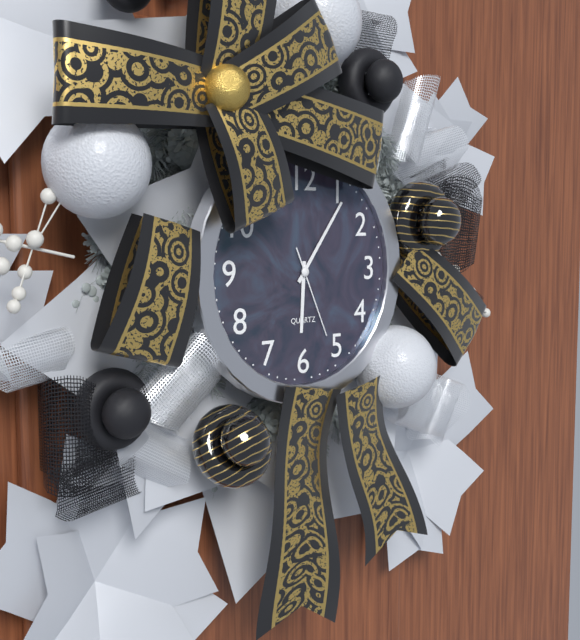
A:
h=6 m=6 s=26
